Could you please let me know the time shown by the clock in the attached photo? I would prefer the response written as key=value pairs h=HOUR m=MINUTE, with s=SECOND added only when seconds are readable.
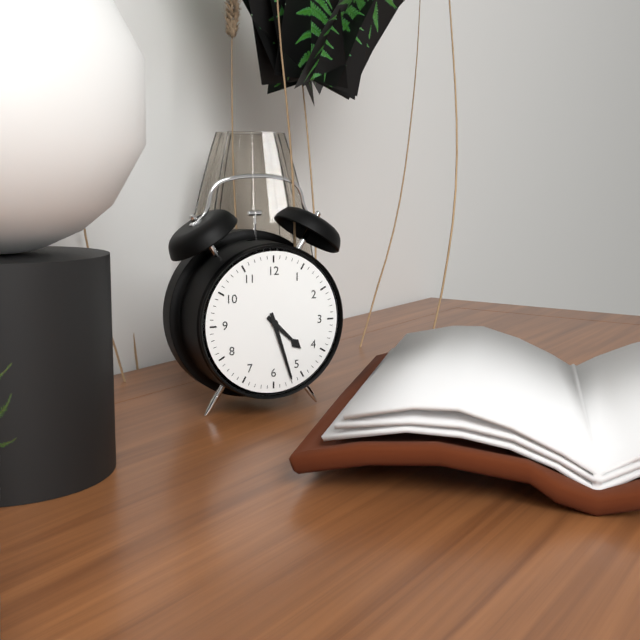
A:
h=4 m=27
